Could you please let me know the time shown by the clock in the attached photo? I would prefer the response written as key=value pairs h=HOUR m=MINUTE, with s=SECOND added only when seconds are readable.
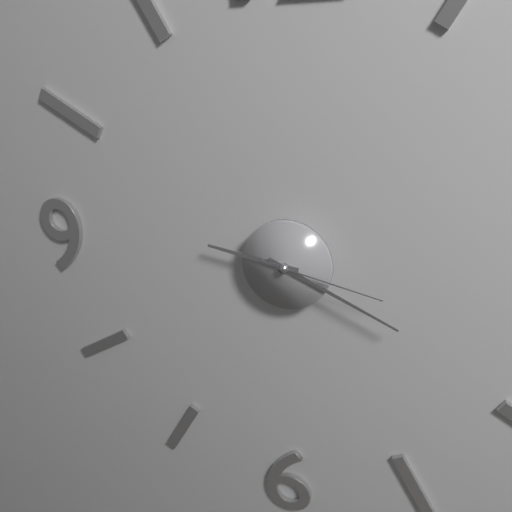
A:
h=9 m=19 s=17
